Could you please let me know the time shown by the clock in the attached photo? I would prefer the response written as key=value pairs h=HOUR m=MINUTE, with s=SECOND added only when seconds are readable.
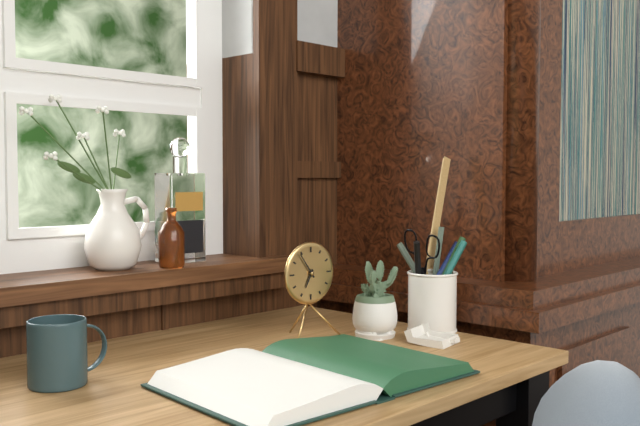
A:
h=6 m=54
